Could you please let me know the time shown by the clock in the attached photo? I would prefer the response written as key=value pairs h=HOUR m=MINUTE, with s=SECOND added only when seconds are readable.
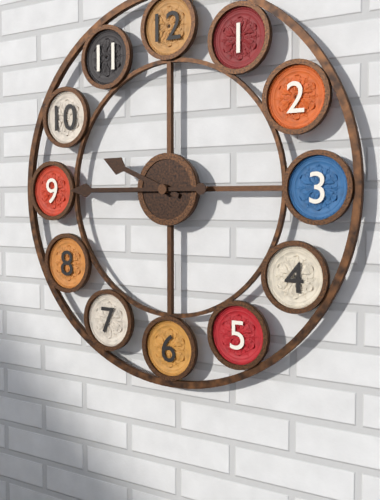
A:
h=9 m=45
